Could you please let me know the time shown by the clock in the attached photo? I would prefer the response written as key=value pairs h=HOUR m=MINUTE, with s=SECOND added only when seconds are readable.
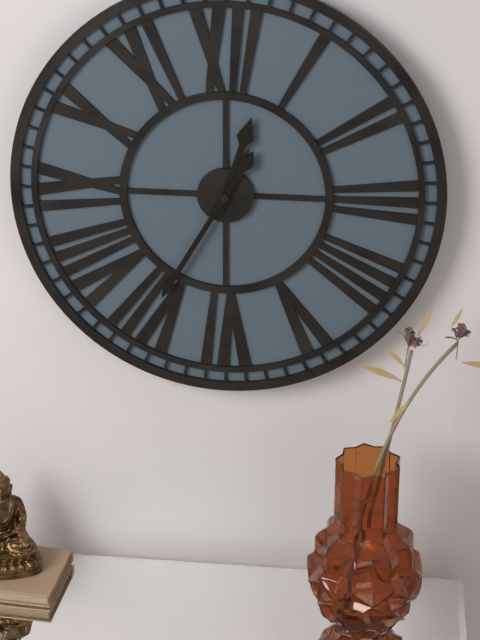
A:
h=12 m=35
